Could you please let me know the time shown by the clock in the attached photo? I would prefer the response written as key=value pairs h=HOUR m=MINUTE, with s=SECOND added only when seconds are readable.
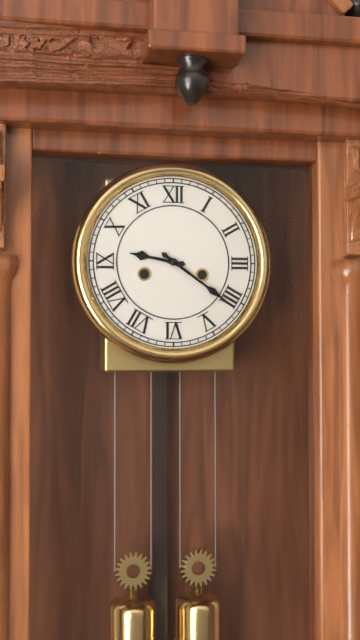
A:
h=9 m=21
